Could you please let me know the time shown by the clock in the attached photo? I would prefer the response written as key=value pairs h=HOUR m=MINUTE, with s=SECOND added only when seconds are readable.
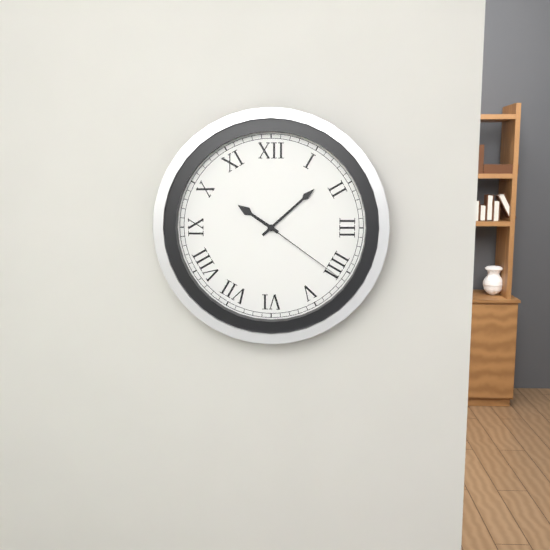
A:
h=10 m=8 s=21
